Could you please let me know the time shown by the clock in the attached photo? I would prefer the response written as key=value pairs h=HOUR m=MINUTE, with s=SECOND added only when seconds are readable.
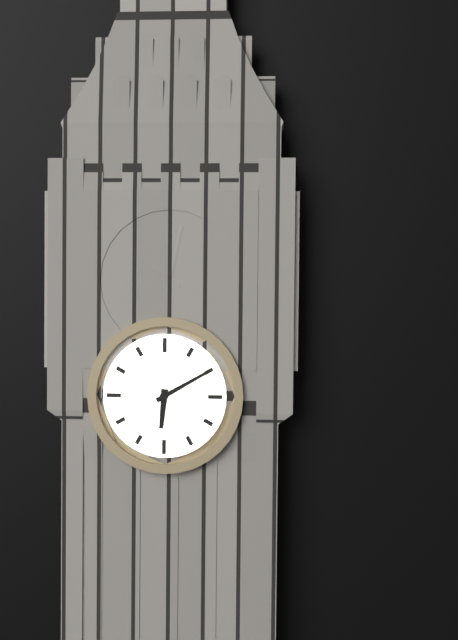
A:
h=6 m=10
